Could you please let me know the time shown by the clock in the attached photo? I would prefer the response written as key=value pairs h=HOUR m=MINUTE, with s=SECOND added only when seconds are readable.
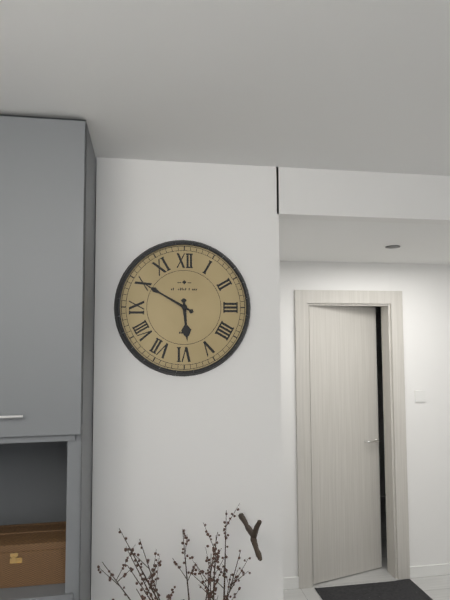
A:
h=5 m=50
